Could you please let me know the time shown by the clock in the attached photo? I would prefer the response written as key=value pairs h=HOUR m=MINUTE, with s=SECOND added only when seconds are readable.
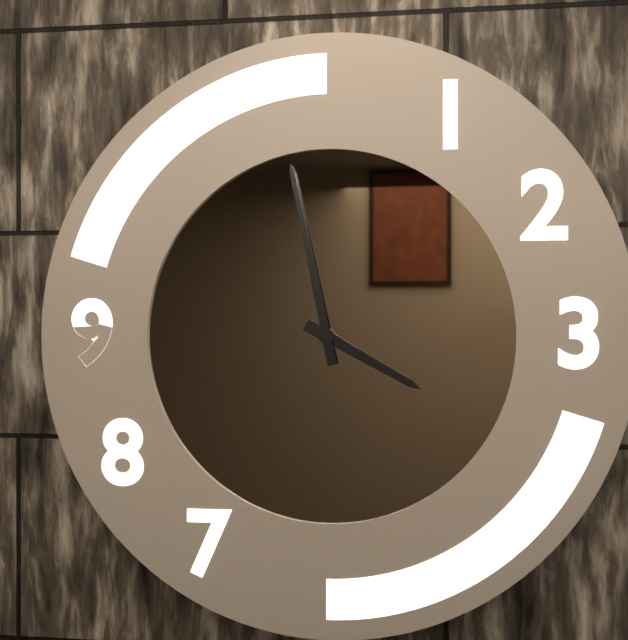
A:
h=3 m=58
